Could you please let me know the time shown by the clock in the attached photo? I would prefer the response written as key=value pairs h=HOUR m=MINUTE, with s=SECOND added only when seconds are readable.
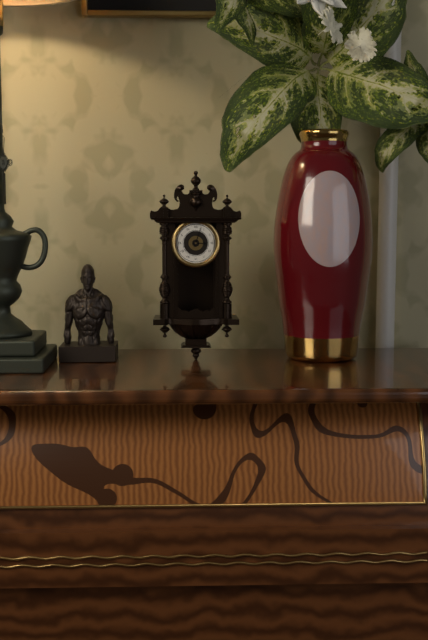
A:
h=3 m=3
